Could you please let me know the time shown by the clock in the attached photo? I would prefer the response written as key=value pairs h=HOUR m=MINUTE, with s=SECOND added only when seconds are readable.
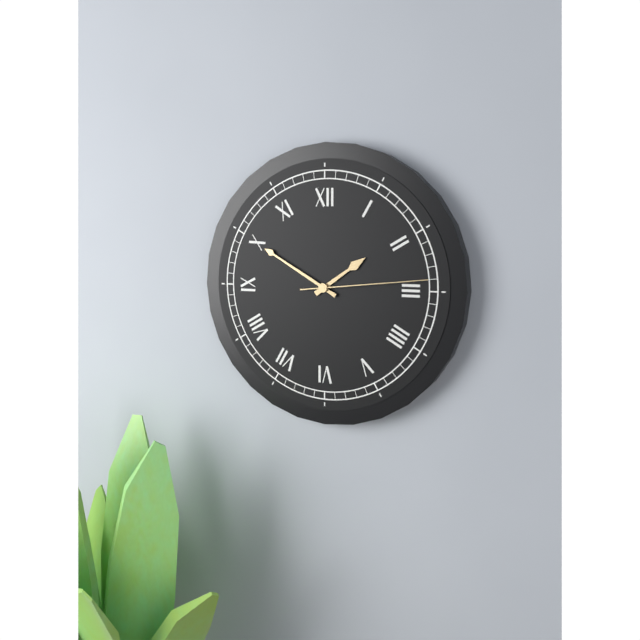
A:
h=1 m=50 s=14
